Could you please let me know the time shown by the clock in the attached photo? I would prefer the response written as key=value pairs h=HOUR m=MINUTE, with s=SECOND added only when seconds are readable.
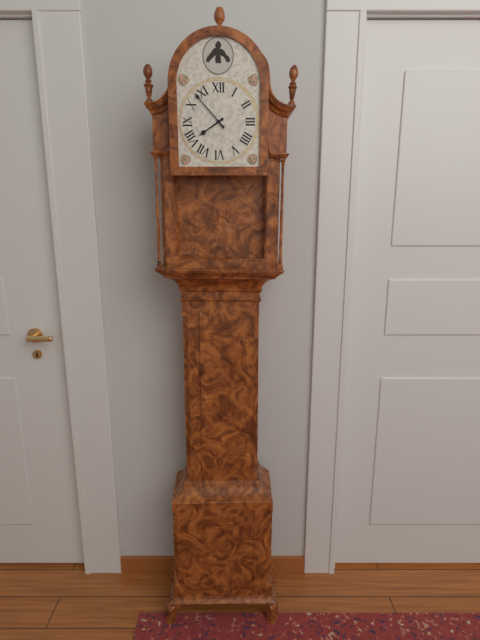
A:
h=7 m=53
